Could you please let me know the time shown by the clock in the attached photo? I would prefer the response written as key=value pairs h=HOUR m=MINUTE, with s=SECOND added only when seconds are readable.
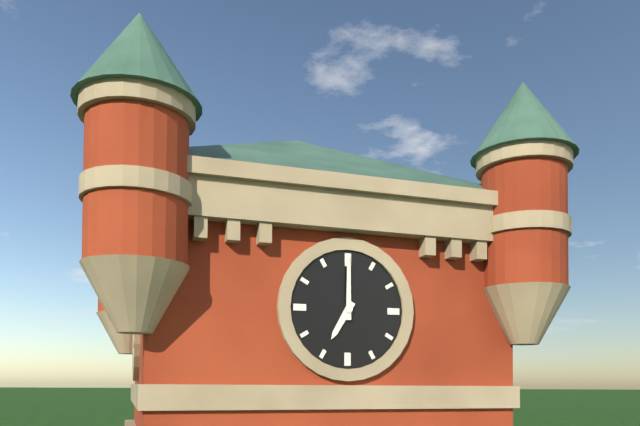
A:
h=7 m=0
